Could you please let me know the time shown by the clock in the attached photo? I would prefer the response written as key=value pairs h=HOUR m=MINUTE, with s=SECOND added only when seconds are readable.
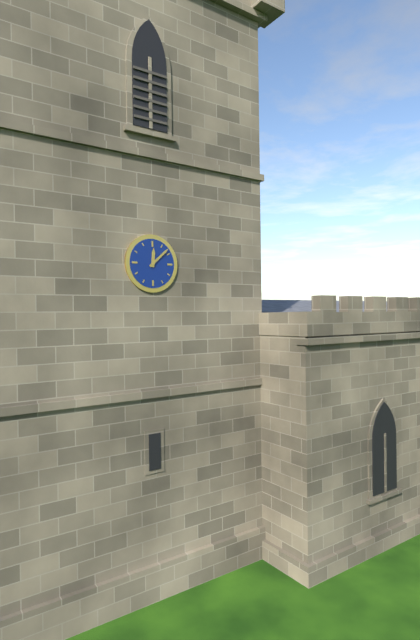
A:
h=12 m=8
